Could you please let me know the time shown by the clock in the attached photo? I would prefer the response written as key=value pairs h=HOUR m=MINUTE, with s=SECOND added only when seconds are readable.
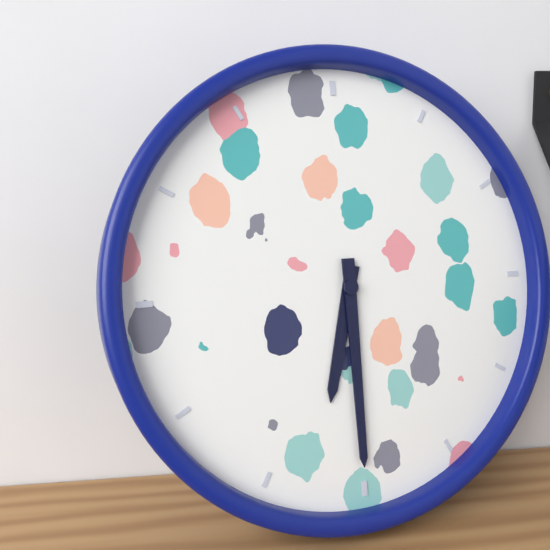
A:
h=6 m=30
